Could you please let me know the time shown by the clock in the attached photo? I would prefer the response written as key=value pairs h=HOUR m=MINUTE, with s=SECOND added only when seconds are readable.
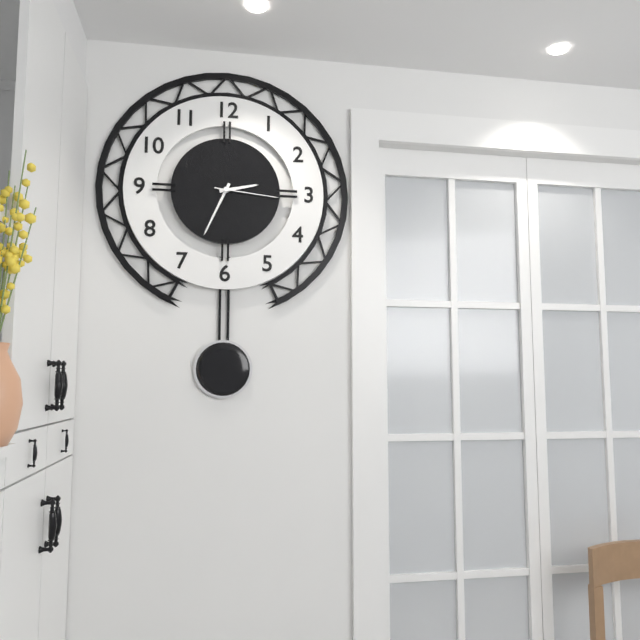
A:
h=2 m=34 s=16
